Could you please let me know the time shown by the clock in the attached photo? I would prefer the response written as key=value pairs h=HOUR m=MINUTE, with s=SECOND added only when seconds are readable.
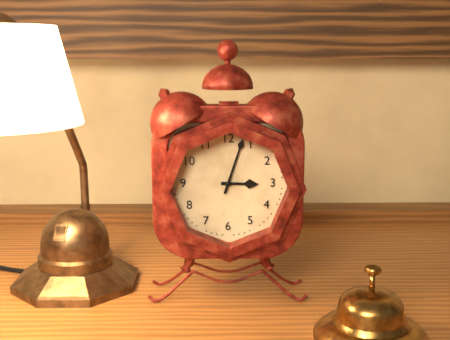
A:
h=3 m=3
